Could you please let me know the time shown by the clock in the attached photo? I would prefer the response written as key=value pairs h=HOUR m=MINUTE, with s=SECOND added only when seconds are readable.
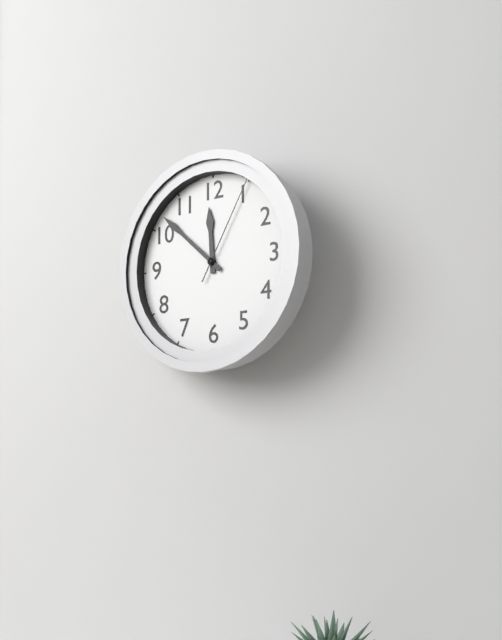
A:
h=11 m=52 s=5
